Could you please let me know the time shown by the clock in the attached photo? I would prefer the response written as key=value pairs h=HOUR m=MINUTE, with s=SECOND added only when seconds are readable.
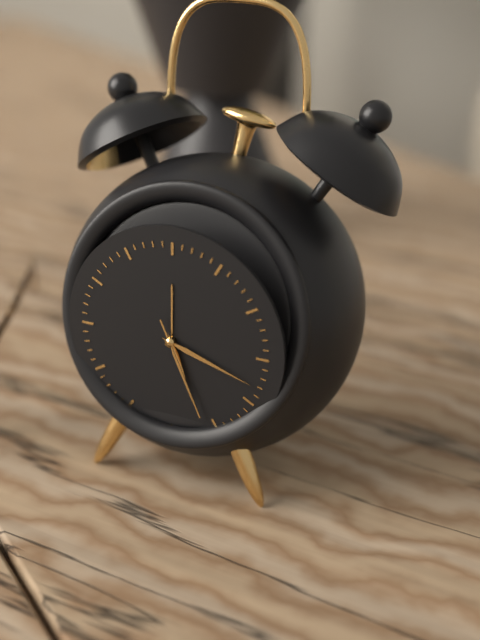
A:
h=5 m=18 s=26
